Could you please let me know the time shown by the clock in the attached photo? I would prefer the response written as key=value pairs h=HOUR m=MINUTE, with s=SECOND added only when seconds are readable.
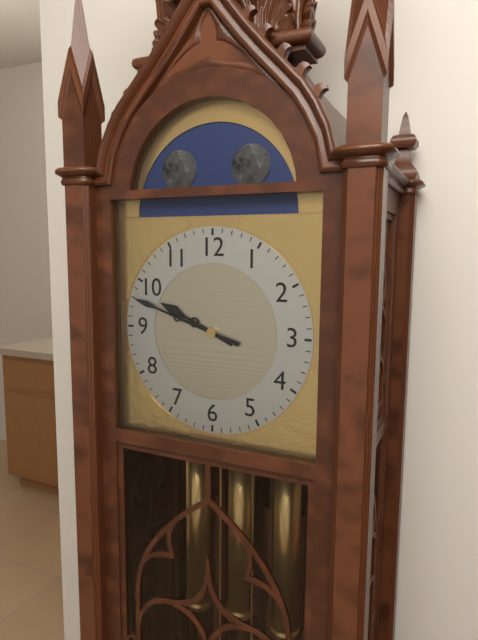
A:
h=9 m=48
